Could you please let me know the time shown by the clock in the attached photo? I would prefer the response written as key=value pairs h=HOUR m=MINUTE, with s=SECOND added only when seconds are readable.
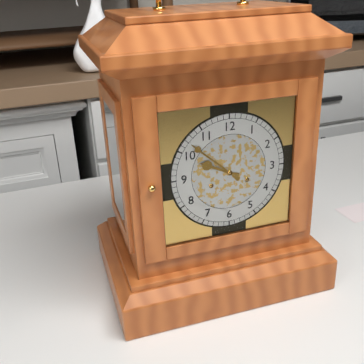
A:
h=9 m=52
